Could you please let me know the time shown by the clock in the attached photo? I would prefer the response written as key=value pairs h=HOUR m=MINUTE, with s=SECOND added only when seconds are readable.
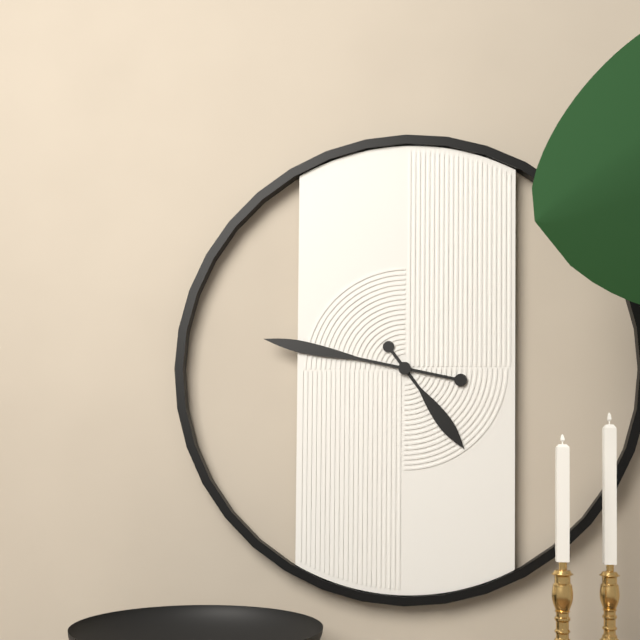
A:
h=4 m=47
